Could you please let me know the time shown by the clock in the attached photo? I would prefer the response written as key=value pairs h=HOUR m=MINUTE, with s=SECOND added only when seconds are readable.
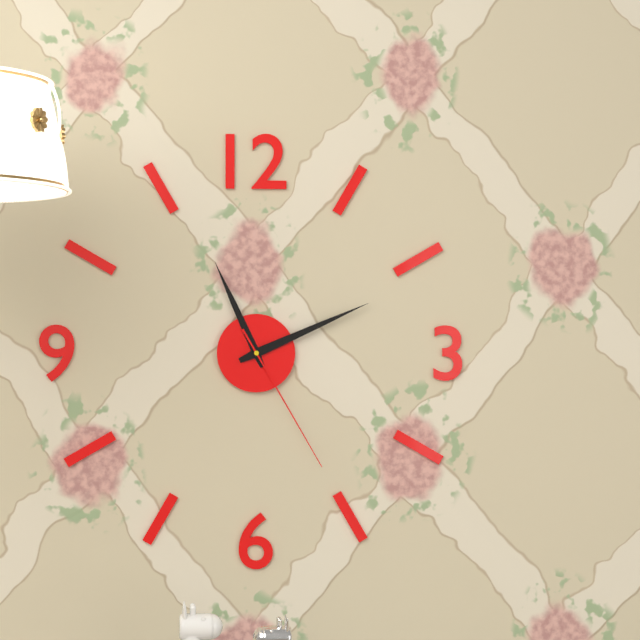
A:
h=11 m=11 s=25
